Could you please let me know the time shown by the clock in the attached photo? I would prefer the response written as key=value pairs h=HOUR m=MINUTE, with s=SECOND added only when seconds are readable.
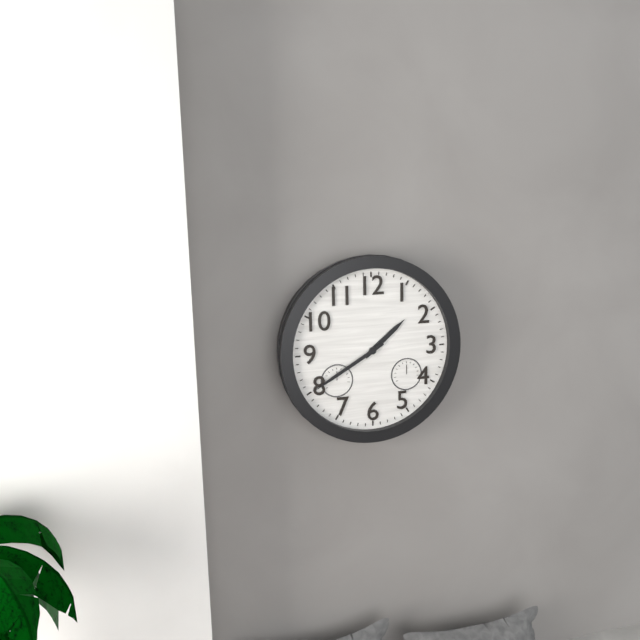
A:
h=1 m=40
